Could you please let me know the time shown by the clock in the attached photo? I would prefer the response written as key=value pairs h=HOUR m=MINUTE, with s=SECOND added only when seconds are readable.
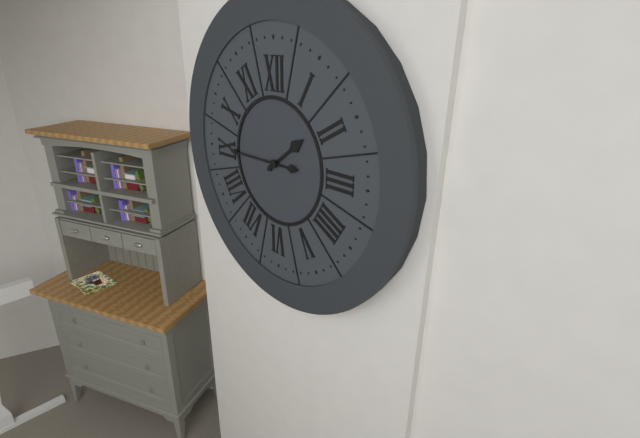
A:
h=1 m=45
